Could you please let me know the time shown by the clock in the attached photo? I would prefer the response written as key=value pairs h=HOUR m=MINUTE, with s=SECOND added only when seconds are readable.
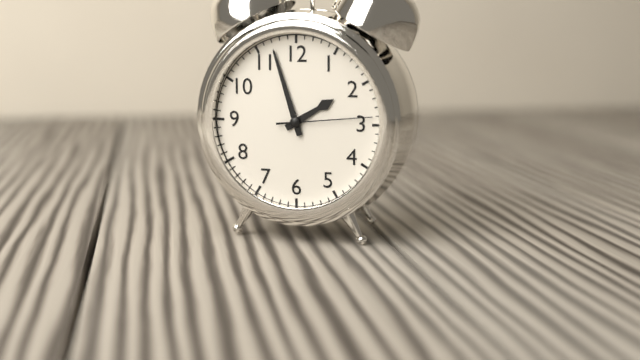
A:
h=1 m=57 s=14
